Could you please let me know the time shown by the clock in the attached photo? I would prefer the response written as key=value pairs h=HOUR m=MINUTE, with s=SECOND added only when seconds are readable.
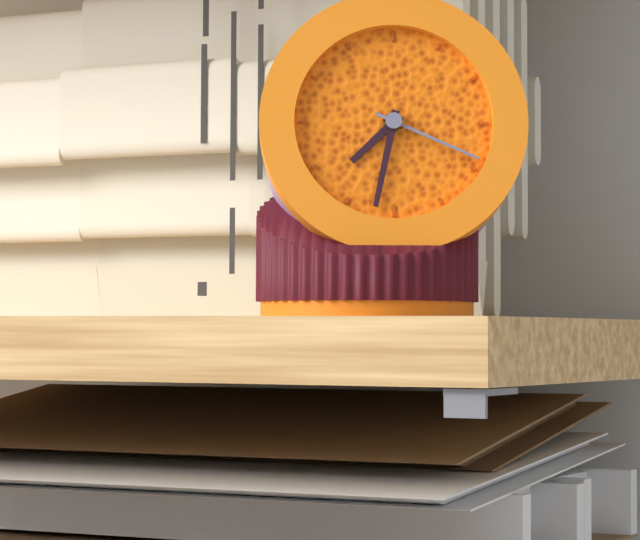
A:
h=7 m=32 s=19
